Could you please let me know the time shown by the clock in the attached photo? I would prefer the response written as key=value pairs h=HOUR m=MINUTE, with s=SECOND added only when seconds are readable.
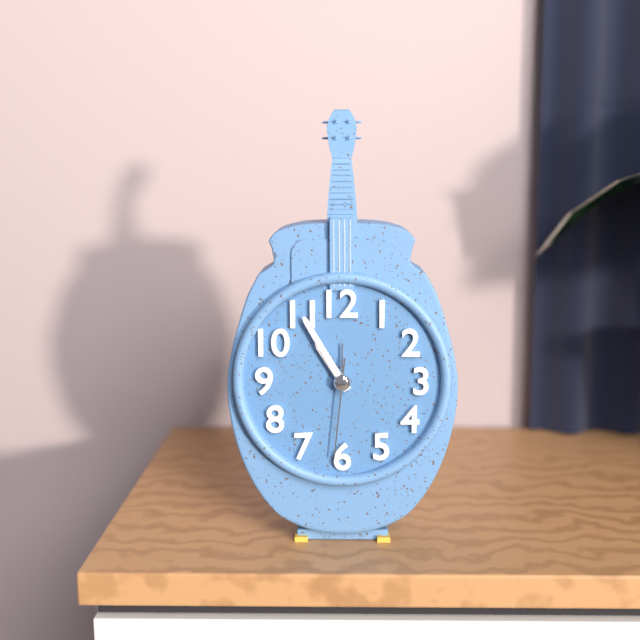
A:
h=10 m=55 s=31
